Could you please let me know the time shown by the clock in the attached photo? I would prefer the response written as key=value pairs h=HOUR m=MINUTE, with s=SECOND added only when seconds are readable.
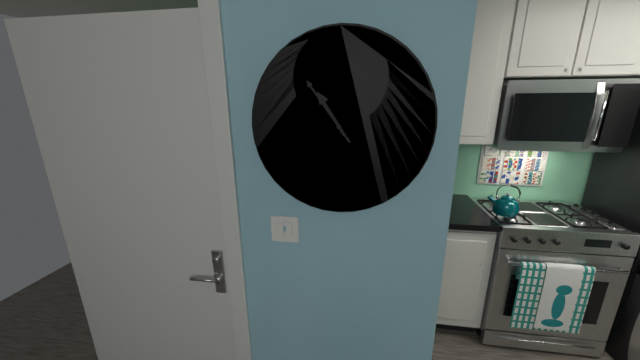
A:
h=10 m=54
